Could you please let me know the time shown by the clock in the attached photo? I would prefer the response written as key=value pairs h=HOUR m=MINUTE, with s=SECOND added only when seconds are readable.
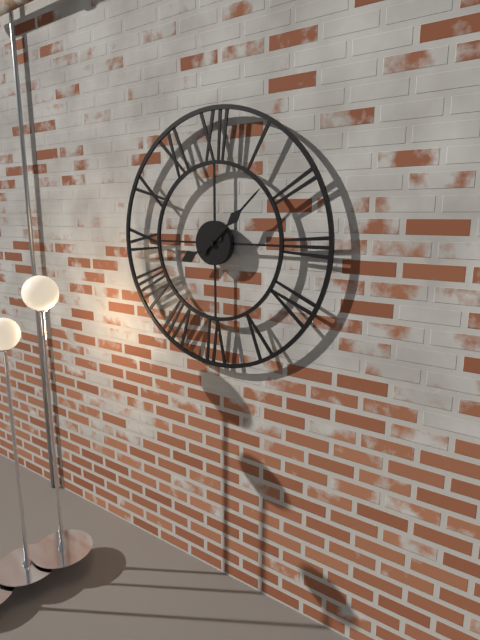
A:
h=8 m=8
